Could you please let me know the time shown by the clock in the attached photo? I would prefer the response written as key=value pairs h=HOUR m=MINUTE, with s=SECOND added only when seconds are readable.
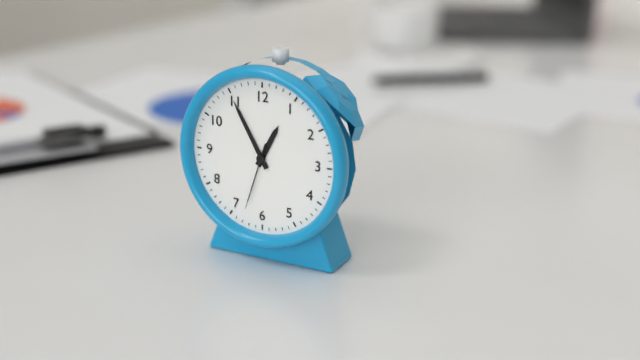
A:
h=12 m=55 s=33
